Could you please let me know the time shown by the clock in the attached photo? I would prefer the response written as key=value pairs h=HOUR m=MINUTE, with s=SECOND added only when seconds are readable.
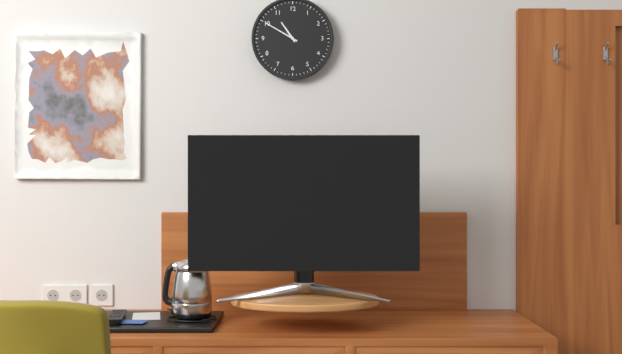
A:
h=10 m=50
